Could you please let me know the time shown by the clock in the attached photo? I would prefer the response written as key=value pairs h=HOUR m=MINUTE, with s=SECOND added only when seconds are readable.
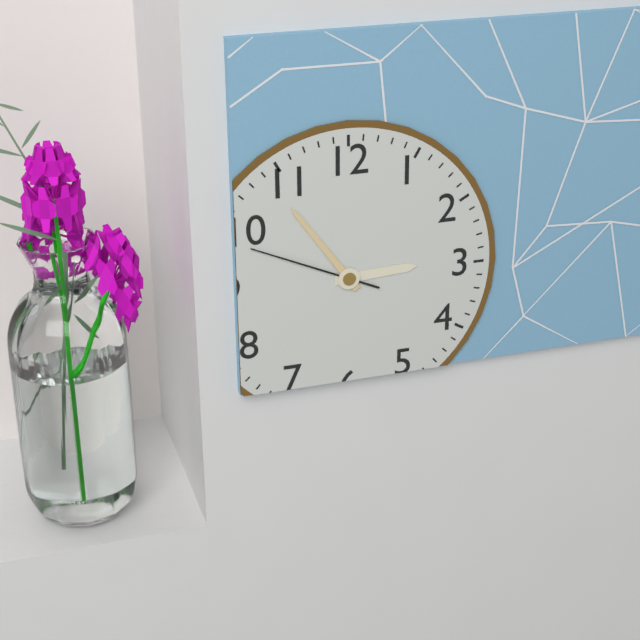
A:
h=2 m=54 s=49
